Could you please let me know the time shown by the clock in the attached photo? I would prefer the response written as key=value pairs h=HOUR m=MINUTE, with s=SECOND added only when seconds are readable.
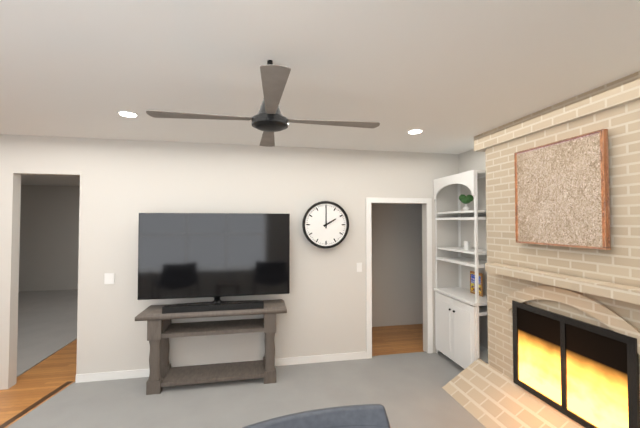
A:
h=2 m=0
